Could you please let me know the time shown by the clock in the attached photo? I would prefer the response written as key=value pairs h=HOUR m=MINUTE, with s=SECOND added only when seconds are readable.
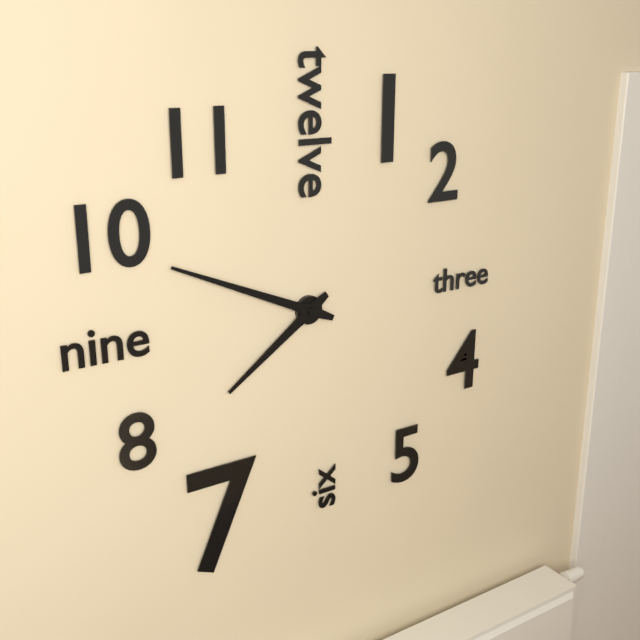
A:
h=7 m=49
